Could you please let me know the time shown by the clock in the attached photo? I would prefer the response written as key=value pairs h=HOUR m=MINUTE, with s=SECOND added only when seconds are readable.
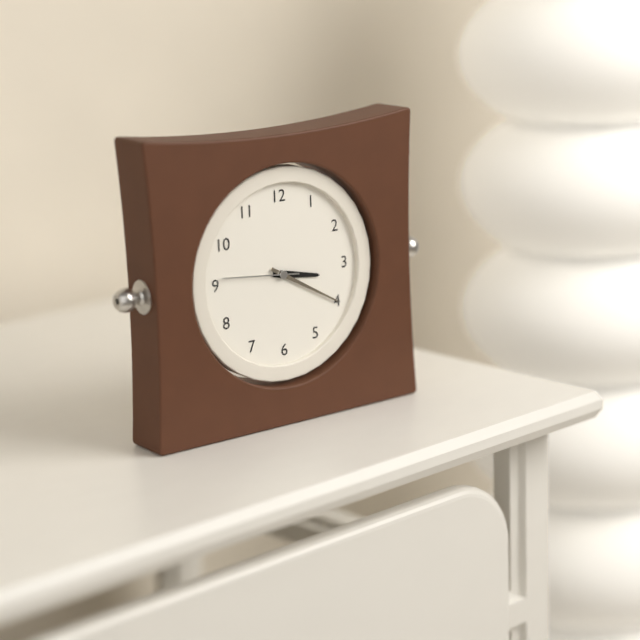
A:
h=3 m=20 s=46
